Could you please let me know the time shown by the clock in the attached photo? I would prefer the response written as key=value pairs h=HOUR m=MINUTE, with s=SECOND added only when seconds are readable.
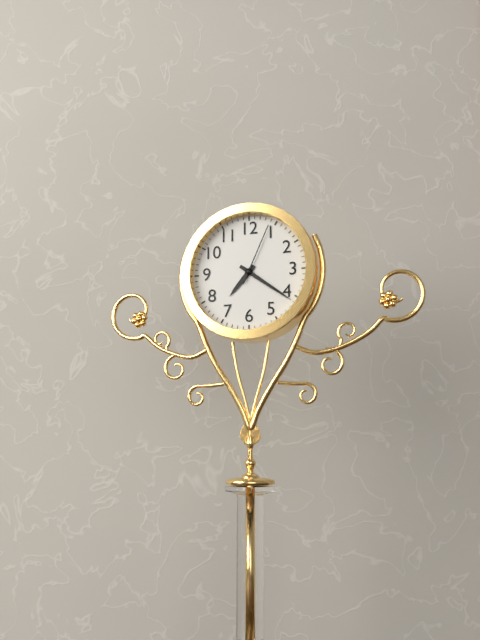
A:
h=7 m=21 s=4
